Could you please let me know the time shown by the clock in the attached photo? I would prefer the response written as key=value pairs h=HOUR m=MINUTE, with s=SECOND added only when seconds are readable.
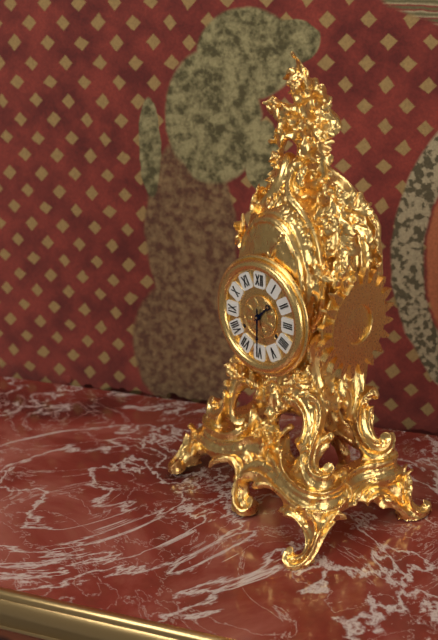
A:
h=1 m=30
